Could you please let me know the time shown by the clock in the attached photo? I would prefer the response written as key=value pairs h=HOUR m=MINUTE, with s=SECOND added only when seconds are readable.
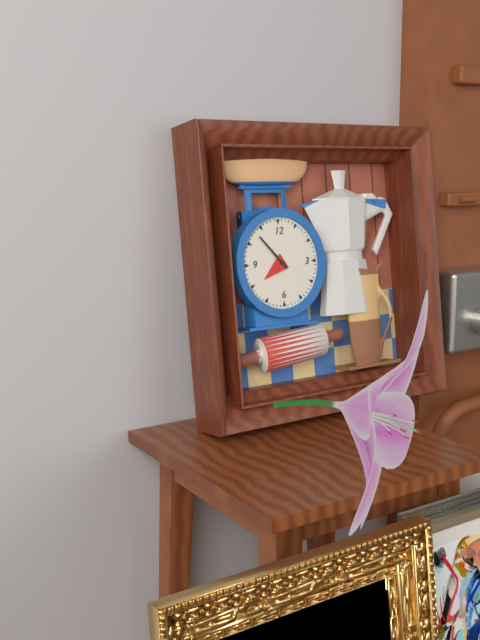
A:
h=7 m=53
